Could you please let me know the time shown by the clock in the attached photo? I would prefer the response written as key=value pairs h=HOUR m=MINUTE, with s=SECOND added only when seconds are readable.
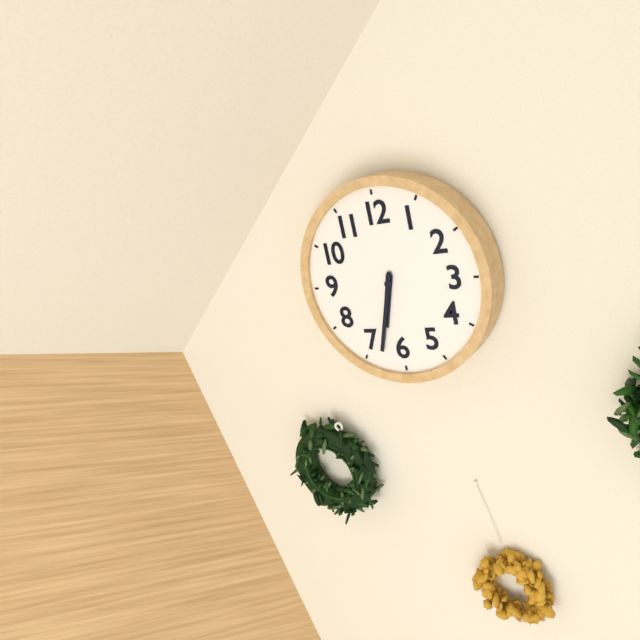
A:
h=6 m=33
